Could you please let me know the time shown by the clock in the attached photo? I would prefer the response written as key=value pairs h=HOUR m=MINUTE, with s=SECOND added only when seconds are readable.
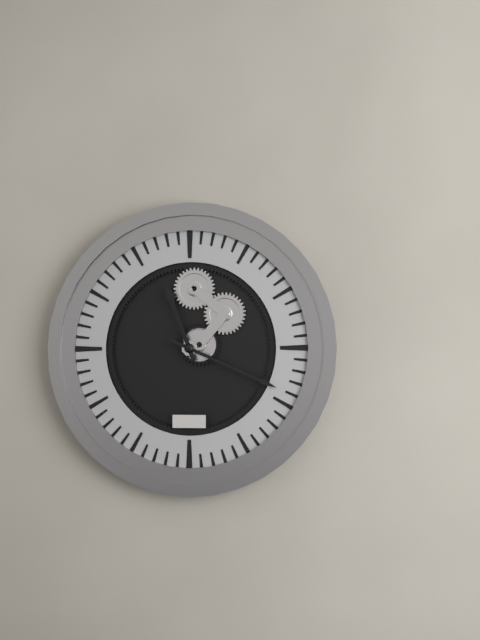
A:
h=11 m=19
